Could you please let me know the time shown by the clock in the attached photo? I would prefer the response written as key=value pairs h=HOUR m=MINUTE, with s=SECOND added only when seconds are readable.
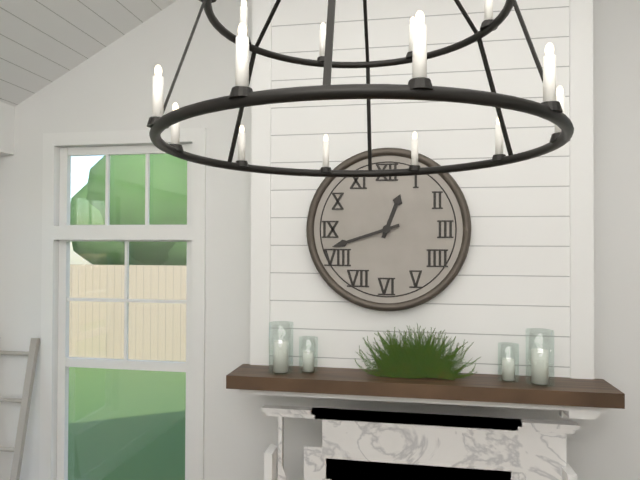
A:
h=12 m=42
